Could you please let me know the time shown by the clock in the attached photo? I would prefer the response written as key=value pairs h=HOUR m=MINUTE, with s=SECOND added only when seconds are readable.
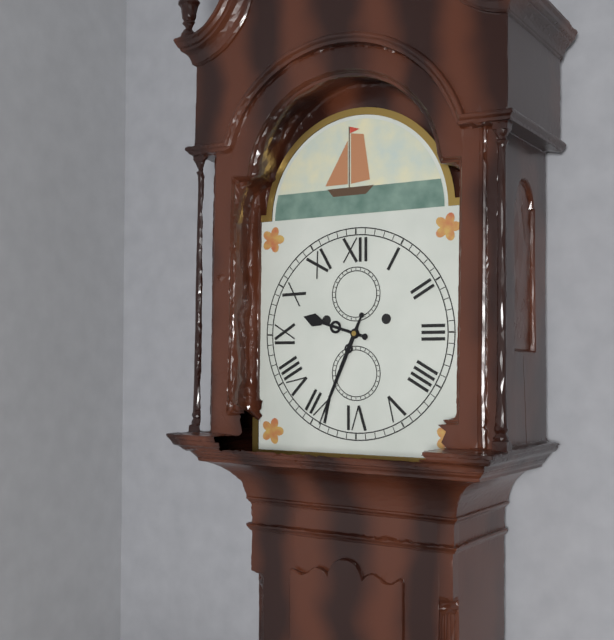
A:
h=9 m=34
